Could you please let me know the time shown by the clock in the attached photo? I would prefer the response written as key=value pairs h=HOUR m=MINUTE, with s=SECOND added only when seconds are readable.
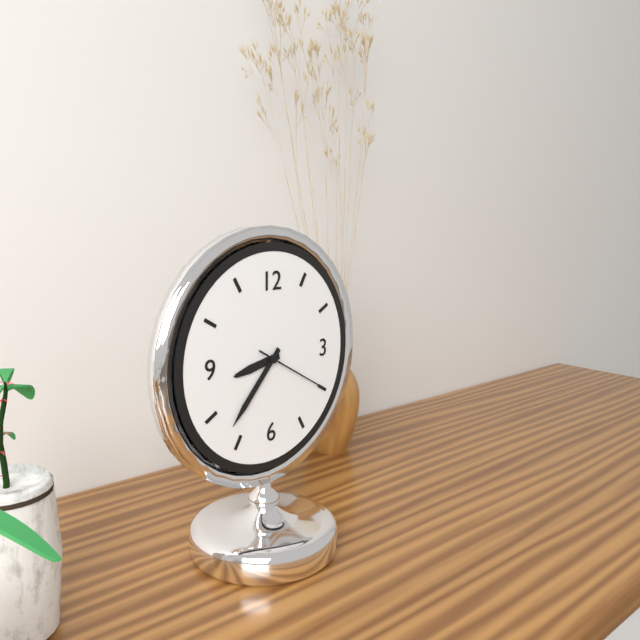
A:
h=8 m=37 s=20
